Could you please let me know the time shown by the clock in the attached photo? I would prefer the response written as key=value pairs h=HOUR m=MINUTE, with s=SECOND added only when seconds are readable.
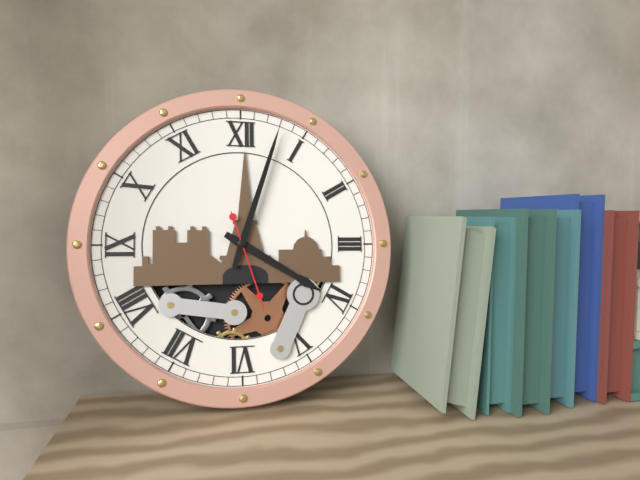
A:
h=4 m=3 s=27
